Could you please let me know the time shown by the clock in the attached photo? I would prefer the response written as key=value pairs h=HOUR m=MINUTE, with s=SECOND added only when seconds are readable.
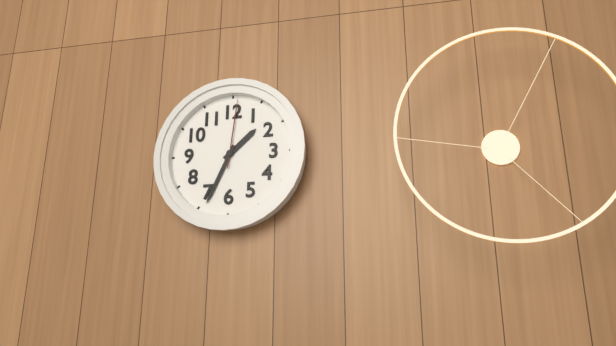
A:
h=1 m=34 s=1
